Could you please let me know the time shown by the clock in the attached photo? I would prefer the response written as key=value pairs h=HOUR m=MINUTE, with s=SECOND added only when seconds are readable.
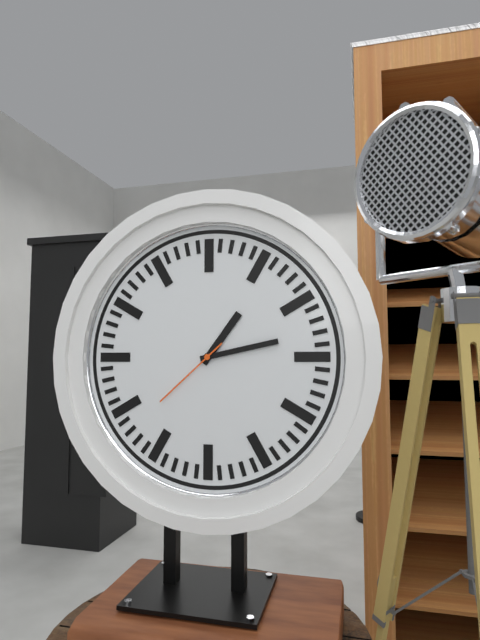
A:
h=1 m=13 s=38
